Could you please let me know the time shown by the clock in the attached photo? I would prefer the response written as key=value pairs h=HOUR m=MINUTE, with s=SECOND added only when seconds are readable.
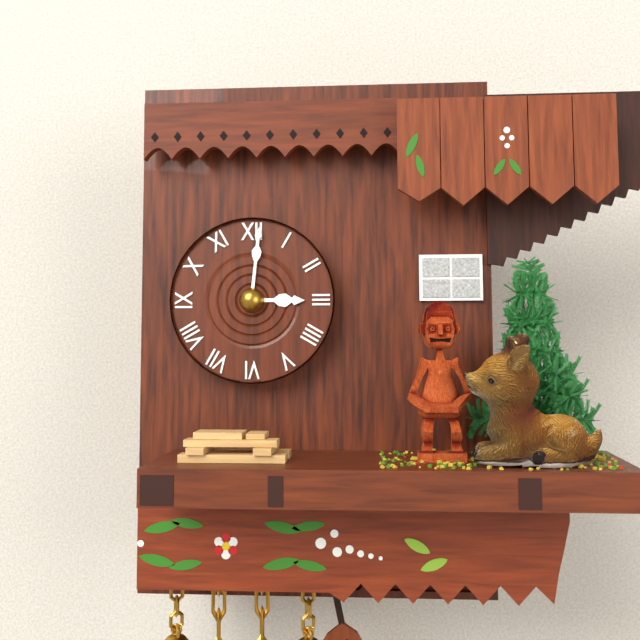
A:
h=3 m=1
